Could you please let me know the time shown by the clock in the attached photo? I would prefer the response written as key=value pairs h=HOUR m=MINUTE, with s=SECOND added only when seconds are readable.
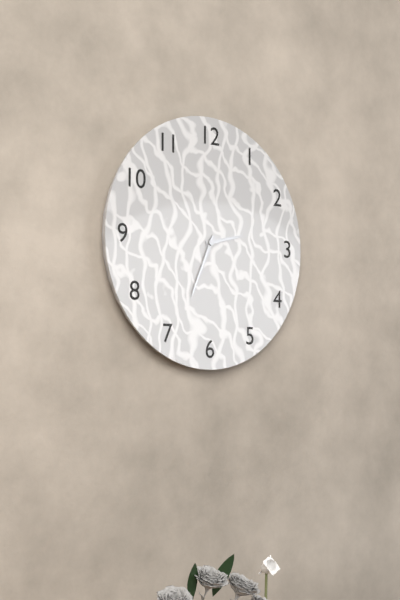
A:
h=2 m=34
